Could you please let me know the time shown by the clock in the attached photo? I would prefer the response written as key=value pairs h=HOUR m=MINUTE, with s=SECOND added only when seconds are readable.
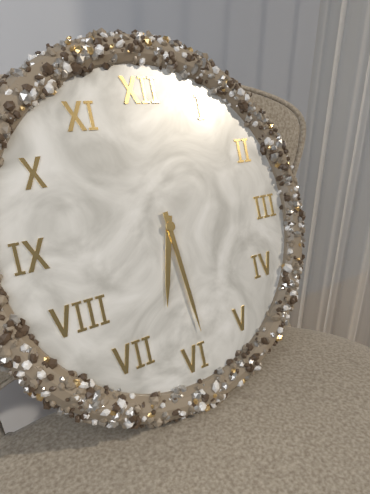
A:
h=6 m=29
